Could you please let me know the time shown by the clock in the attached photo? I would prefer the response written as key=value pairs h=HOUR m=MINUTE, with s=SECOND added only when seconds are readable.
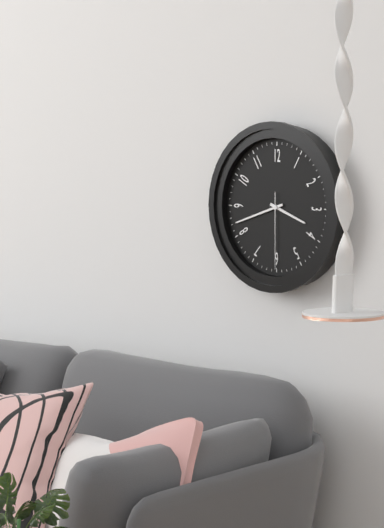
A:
h=3 m=42 s=30
